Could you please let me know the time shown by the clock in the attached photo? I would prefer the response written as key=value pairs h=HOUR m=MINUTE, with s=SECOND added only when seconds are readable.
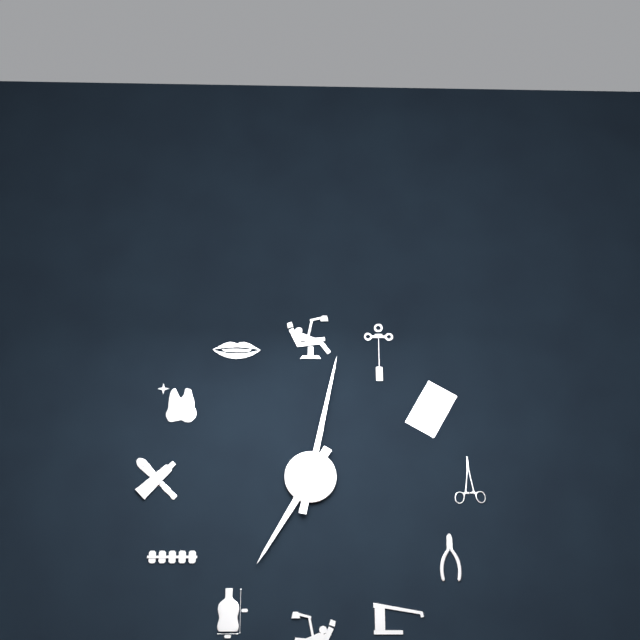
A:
h=7 m=2
